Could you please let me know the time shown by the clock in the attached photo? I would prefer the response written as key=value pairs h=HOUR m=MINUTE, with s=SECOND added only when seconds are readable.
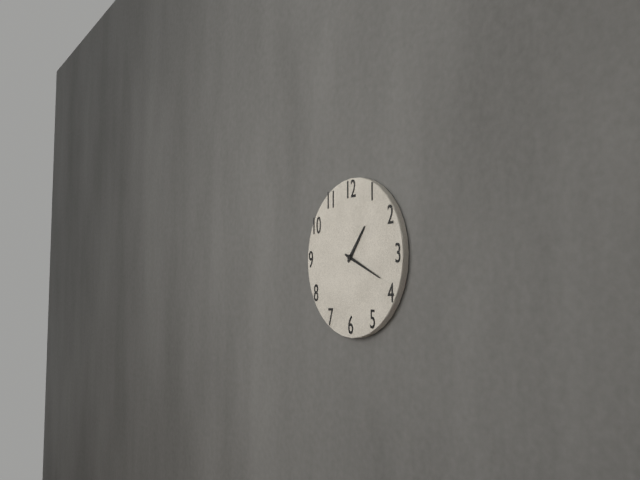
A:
h=1 m=19
